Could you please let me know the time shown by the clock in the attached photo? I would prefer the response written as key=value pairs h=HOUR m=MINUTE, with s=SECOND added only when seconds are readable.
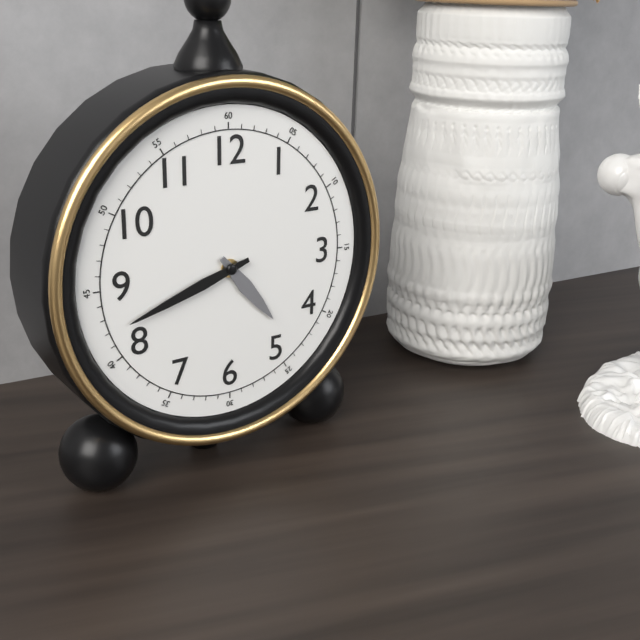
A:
h=4 m=42
